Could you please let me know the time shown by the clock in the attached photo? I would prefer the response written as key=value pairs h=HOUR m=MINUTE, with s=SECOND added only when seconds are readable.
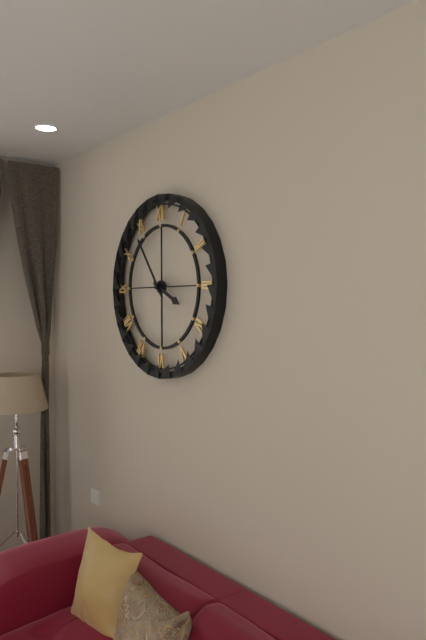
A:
h=3 m=54
